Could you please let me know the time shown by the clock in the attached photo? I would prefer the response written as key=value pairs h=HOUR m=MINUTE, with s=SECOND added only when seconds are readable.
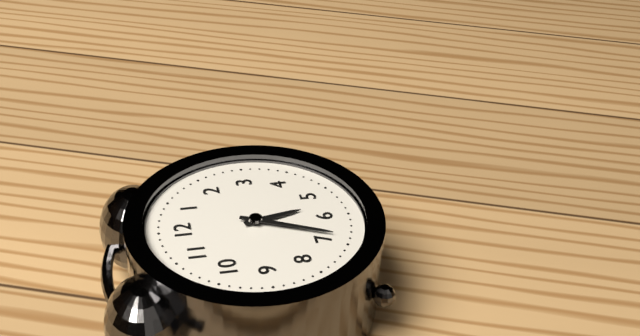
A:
h=5 m=34
